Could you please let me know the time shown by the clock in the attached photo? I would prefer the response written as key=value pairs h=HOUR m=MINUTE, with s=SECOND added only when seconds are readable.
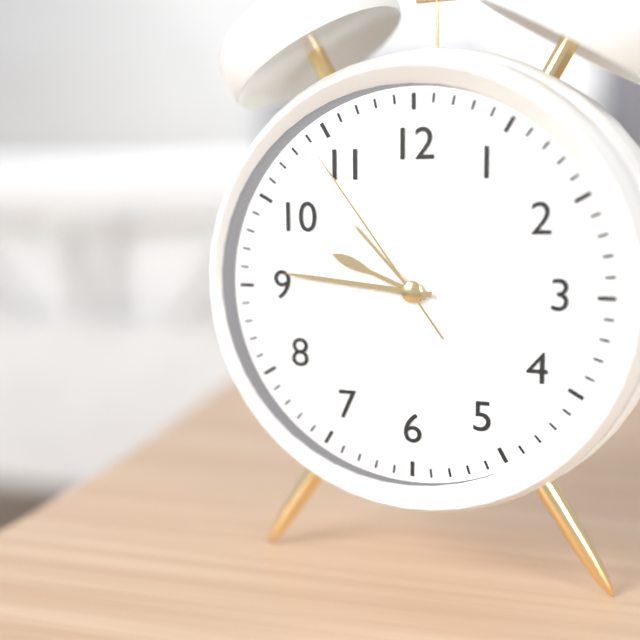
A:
h=9 m=46 s=54
